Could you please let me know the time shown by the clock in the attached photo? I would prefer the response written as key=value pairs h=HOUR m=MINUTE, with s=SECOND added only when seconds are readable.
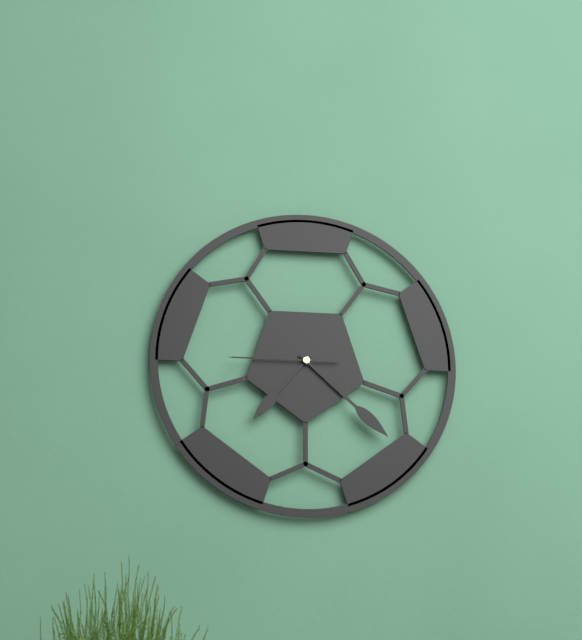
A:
h=7 m=22 s=45
